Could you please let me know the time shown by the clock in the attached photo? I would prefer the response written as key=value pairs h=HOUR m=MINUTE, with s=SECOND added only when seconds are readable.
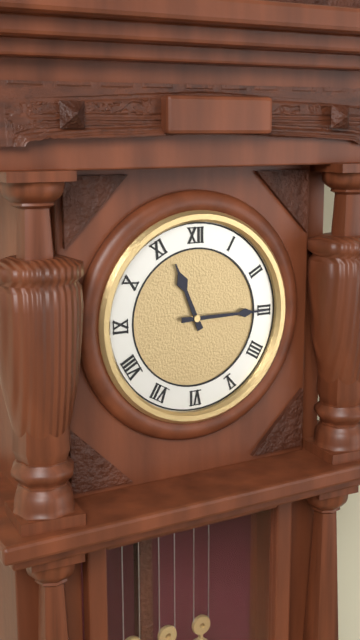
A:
h=11 m=15
